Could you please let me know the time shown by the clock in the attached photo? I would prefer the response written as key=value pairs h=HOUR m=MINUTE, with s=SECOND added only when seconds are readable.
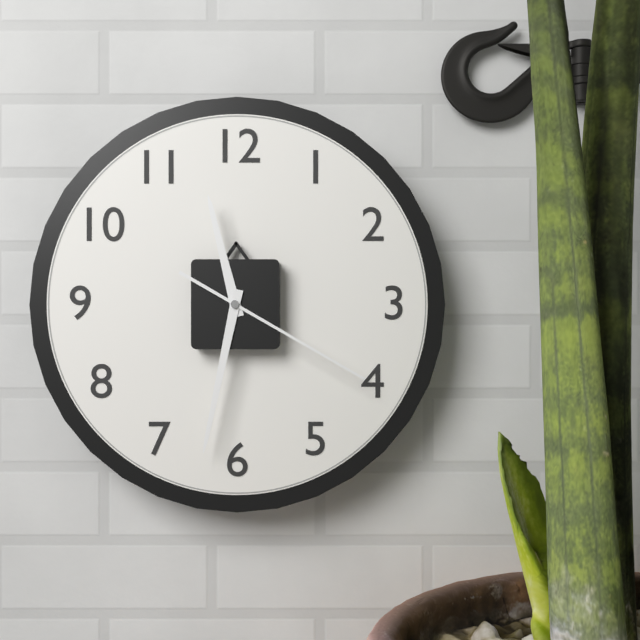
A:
h=11 m=32 s=20
